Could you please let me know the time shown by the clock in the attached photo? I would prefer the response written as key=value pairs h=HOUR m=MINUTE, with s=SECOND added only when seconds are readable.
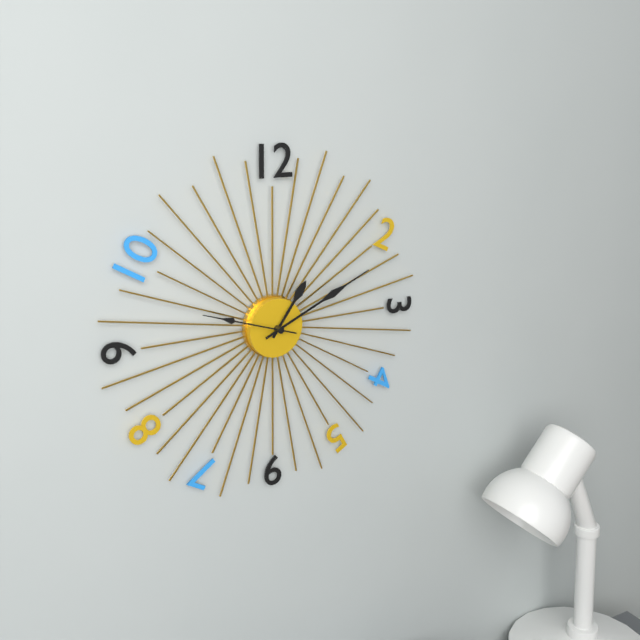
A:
h=1 m=11 s=48
